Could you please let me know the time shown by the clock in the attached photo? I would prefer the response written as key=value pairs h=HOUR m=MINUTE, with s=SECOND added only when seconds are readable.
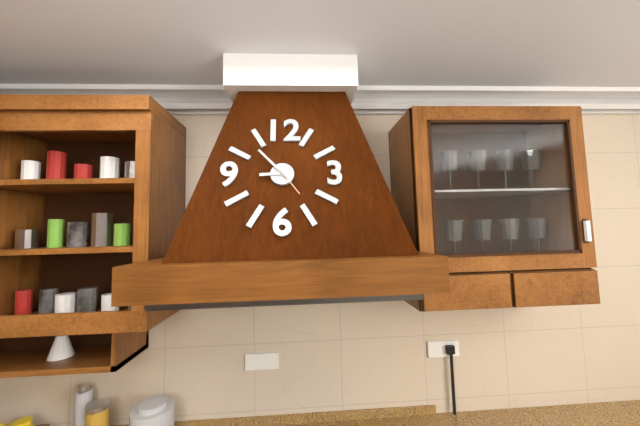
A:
h=8 m=53
